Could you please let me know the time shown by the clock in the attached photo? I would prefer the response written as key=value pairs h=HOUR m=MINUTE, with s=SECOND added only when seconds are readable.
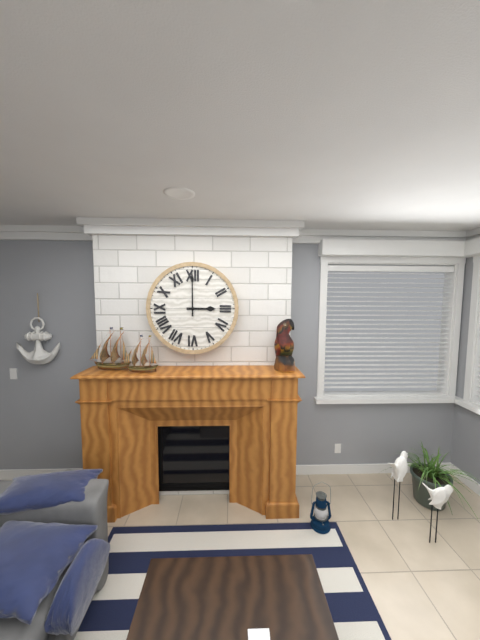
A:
h=3 m=0
